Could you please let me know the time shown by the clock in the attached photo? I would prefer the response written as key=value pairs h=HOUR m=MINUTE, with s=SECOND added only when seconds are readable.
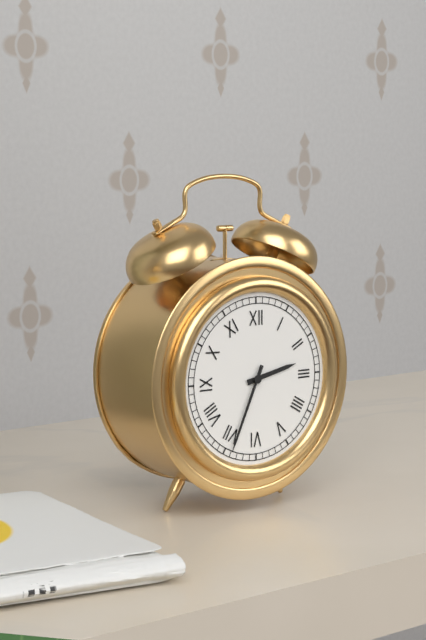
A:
h=2 m=34
